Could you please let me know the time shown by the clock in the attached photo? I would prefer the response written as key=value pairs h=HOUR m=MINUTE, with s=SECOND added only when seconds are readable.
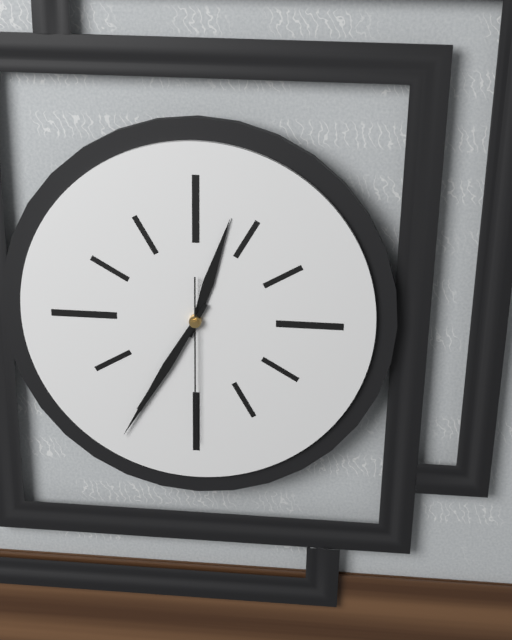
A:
h=12 m=35 s=30
